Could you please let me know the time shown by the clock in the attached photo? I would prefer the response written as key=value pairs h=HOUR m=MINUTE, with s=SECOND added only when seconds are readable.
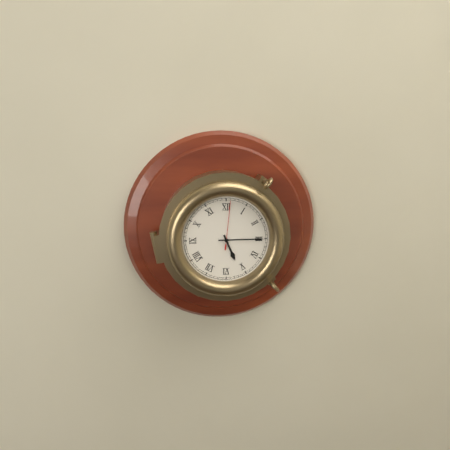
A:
h=5 m=15
